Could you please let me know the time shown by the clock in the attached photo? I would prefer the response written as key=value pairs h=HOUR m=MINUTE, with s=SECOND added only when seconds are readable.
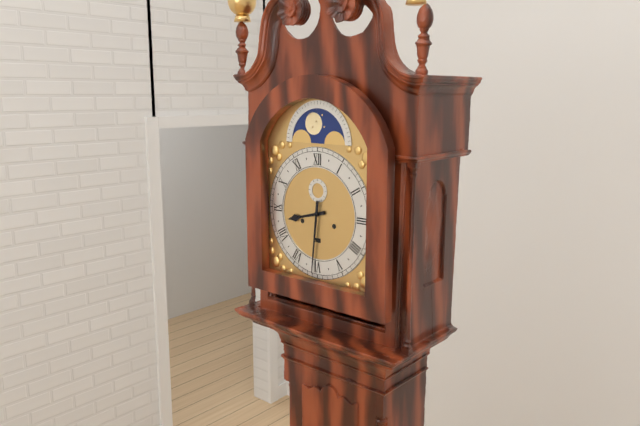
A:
h=8 m=31
